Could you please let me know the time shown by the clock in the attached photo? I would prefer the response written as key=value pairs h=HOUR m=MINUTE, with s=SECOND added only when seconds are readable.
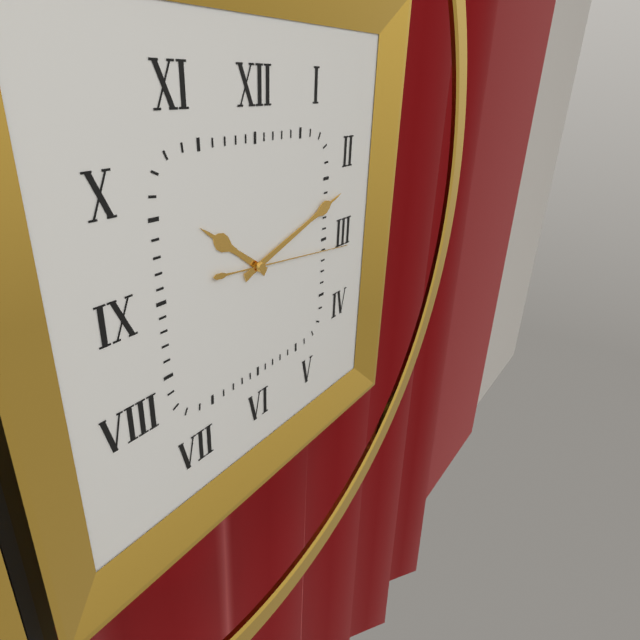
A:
h=10 m=12 s=16
